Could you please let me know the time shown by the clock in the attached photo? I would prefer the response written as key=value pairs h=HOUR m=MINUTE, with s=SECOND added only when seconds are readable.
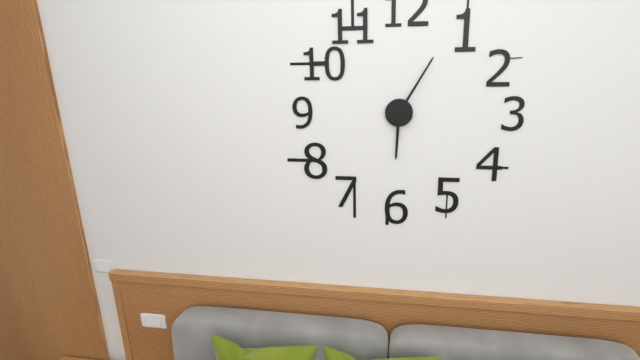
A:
h=6 m=5
